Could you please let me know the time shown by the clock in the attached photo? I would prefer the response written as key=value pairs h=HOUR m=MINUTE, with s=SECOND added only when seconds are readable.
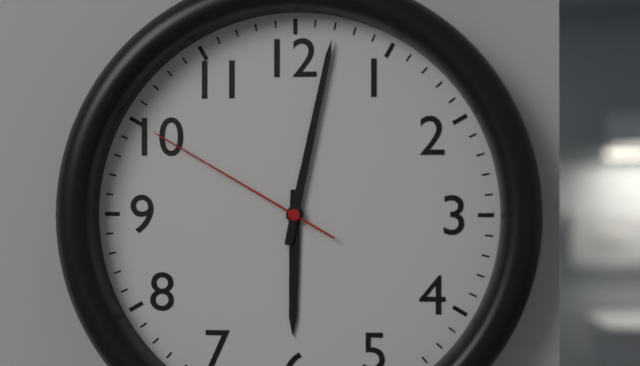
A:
h=6 m=2 s=50
